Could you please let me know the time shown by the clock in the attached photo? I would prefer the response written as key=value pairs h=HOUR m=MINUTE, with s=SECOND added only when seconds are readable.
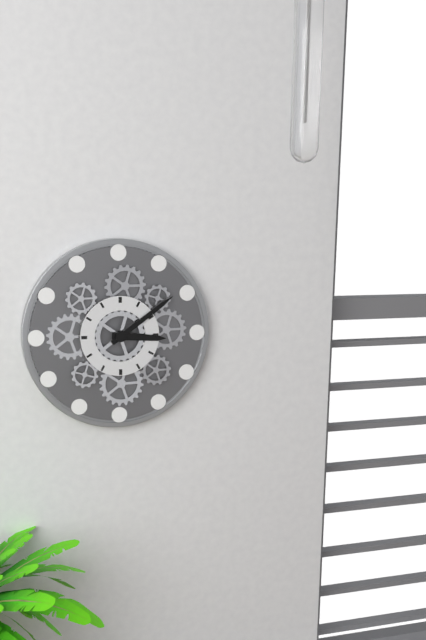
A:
h=3 m=9
